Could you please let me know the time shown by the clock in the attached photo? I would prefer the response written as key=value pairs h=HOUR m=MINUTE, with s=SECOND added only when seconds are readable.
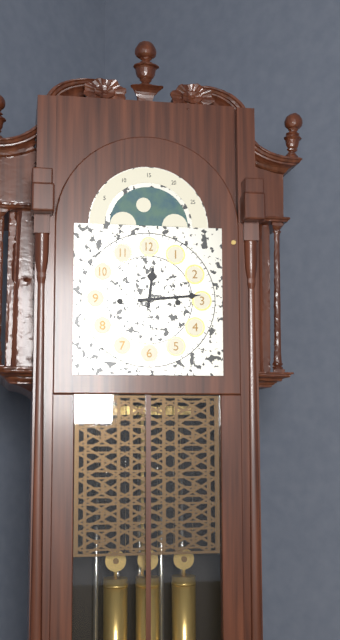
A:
h=12 m=14
